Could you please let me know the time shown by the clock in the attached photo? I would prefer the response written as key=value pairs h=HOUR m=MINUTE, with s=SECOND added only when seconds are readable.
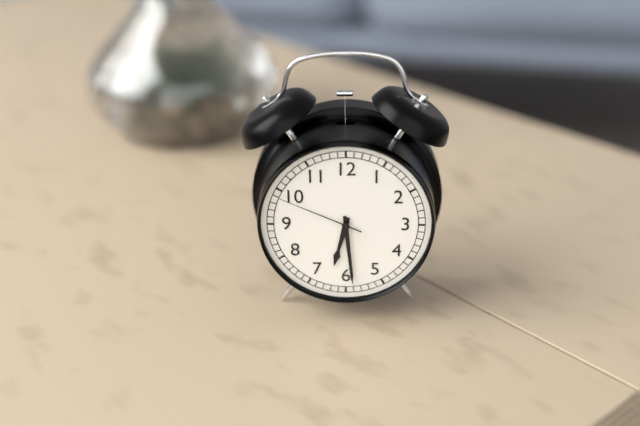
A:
h=6 m=29 s=49
